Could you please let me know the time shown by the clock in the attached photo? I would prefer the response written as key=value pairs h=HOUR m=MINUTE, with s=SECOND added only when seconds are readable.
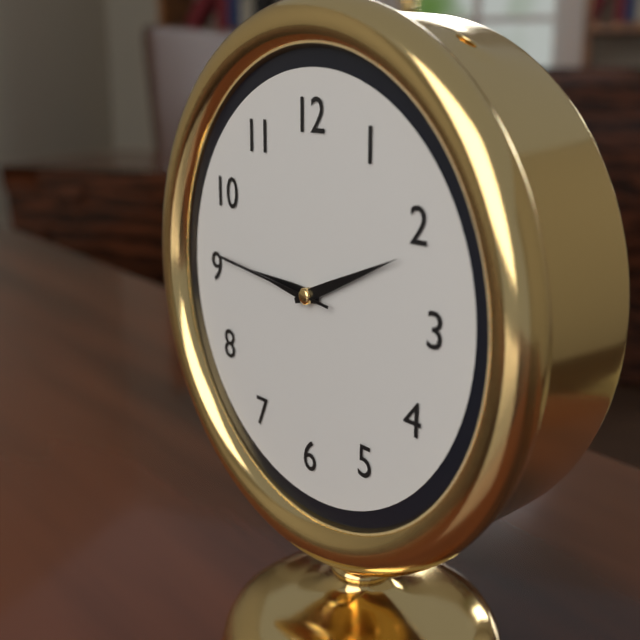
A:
h=9 m=11 s=46
